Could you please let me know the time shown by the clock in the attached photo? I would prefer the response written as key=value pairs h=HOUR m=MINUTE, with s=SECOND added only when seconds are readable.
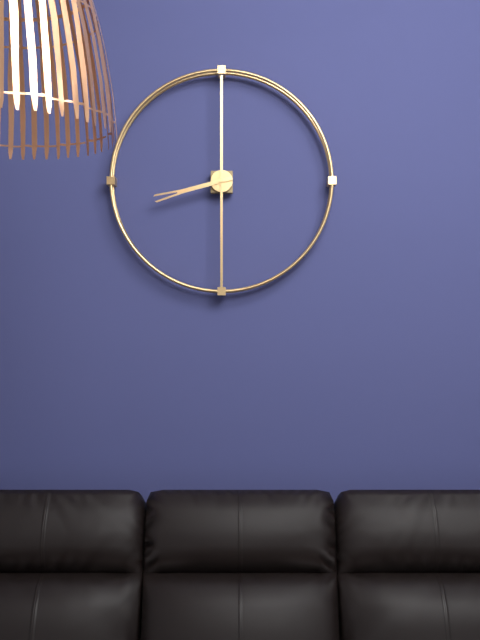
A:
h=8 m=30
